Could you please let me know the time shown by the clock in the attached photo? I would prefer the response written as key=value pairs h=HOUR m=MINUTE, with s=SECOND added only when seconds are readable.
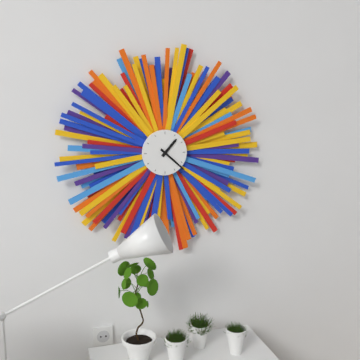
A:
h=1 m=22
